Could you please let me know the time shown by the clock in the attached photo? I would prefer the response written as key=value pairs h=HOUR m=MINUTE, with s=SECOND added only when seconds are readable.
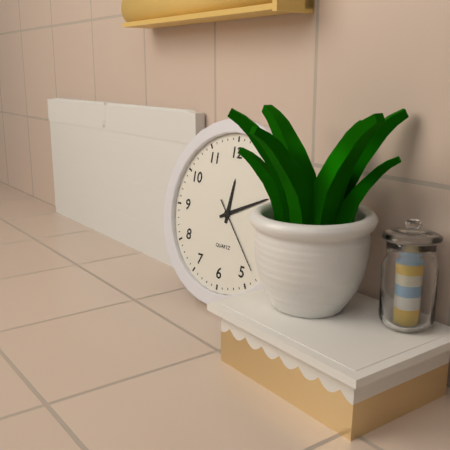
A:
h=12 m=11 s=23
